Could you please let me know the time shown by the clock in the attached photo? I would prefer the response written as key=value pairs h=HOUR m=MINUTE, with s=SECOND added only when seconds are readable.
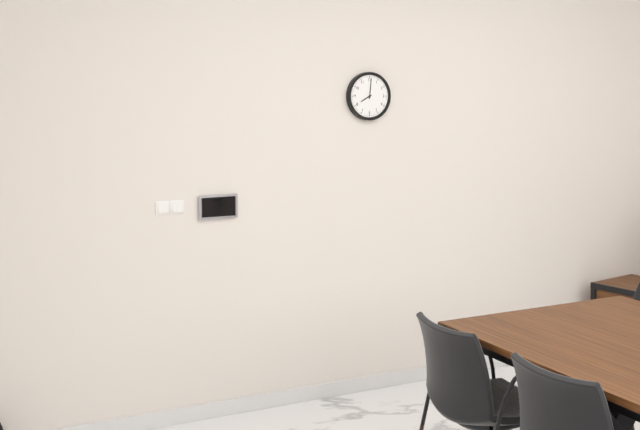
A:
h=8 m=1
